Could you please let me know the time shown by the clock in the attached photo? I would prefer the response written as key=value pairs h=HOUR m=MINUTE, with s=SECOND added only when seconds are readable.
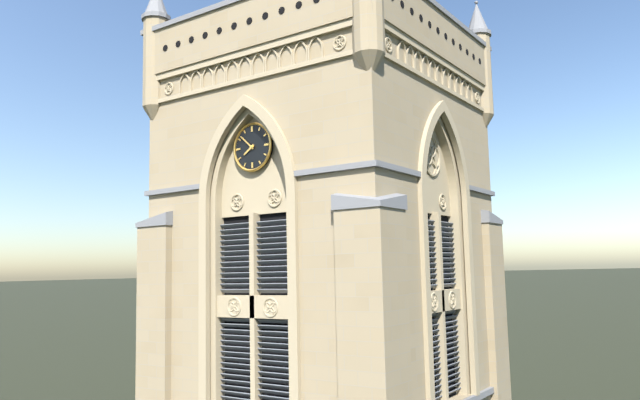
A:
h=7 m=52
